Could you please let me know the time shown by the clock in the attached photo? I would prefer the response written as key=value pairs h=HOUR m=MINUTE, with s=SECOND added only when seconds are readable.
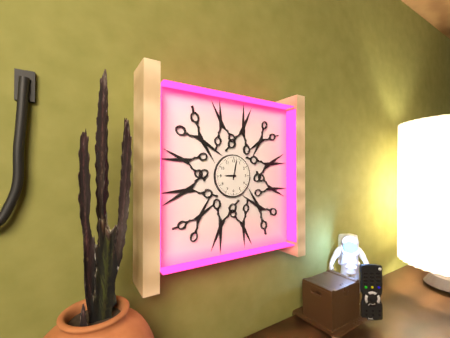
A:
h=9 m=2
